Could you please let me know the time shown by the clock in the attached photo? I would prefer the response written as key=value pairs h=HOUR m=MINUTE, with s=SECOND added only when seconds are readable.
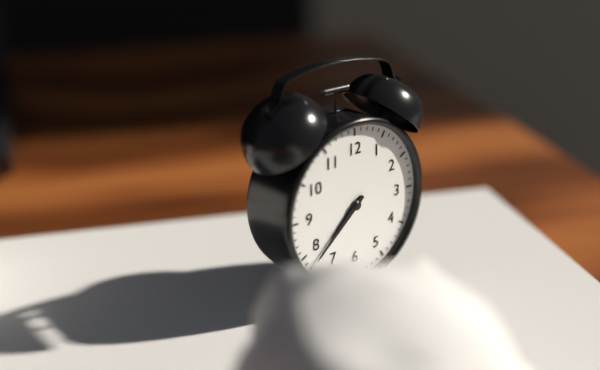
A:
h=7 m=38
